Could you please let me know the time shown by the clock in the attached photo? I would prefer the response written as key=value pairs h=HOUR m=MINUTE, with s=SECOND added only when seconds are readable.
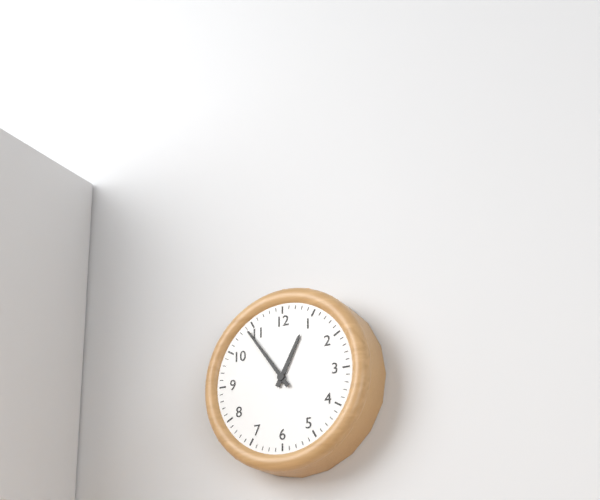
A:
h=12 m=54
